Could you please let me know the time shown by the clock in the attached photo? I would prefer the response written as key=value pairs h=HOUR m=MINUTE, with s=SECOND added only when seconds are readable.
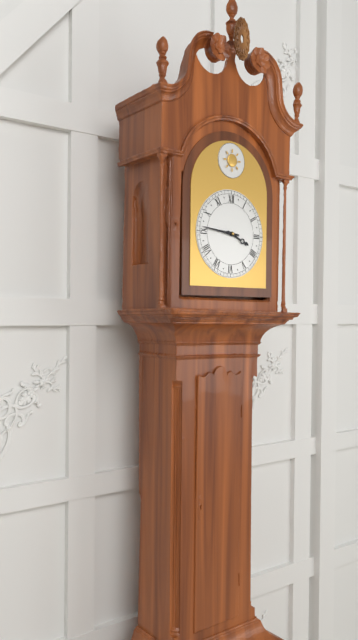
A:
h=3 m=46
